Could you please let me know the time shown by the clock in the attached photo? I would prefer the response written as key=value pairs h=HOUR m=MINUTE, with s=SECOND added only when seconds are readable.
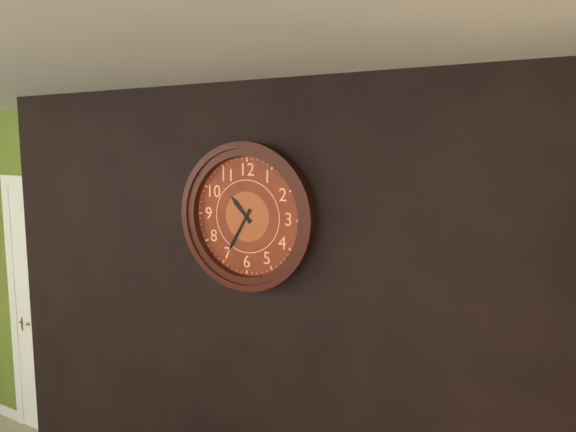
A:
h=10 m=35
